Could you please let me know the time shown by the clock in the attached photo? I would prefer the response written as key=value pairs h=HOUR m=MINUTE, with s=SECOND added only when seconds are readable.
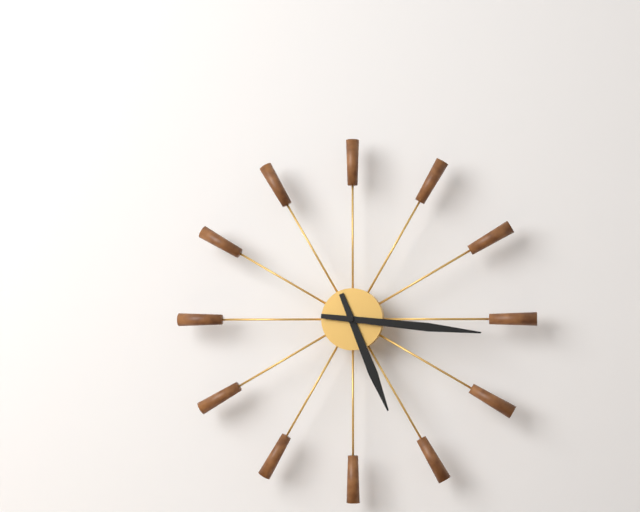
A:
h=5 m=16
